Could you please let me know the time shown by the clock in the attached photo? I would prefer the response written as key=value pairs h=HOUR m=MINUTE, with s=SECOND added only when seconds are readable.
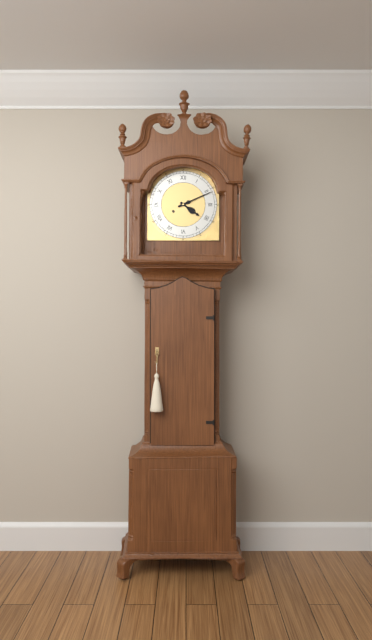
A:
h=4 m=11
